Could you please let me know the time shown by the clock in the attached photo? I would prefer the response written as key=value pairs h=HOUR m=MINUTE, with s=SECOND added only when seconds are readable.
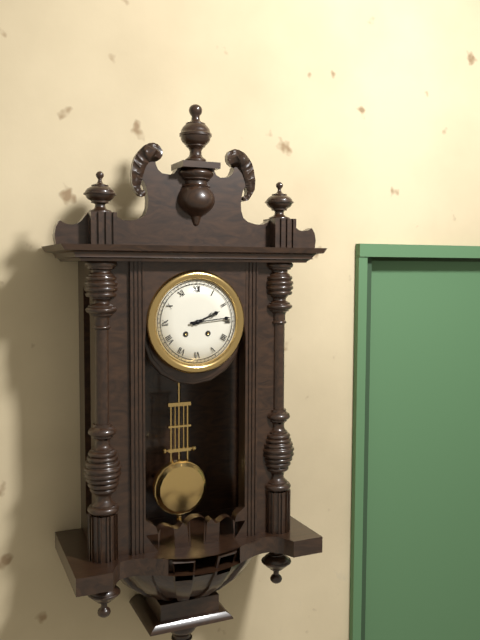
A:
h=2 m=14
